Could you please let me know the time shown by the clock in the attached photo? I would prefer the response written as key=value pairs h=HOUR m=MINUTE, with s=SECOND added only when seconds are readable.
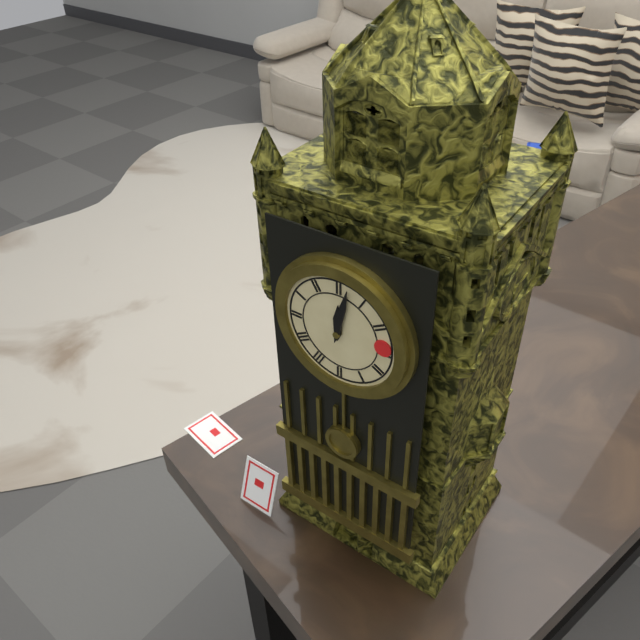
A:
h=12 m=2
